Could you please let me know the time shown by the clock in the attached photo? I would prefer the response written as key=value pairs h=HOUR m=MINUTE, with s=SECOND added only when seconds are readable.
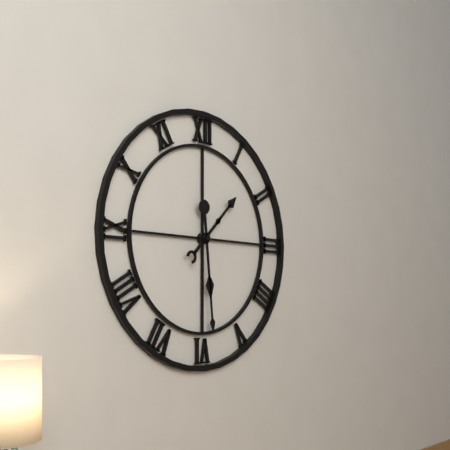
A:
h=1 m=29
